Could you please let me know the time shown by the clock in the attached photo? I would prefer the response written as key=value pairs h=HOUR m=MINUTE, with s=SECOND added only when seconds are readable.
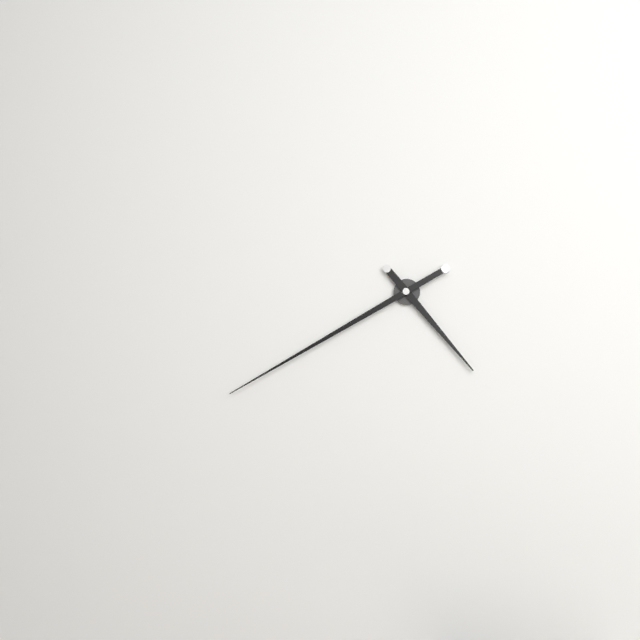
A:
h=4 m=40
